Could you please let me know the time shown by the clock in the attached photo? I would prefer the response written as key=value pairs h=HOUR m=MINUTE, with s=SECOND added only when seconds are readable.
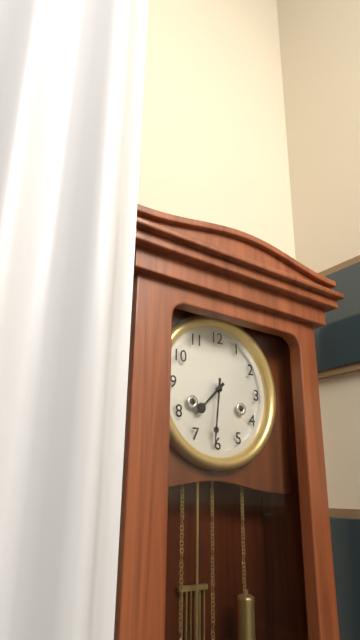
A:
h=7 m=31
